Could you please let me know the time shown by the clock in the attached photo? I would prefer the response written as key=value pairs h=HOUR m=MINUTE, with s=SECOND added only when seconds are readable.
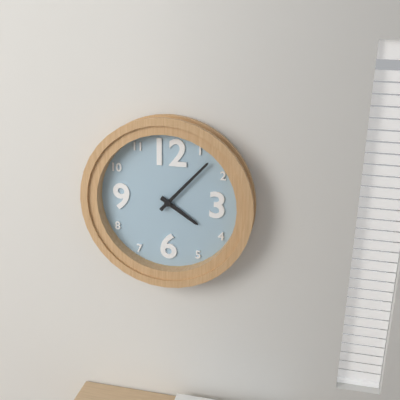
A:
h=4 m=7
